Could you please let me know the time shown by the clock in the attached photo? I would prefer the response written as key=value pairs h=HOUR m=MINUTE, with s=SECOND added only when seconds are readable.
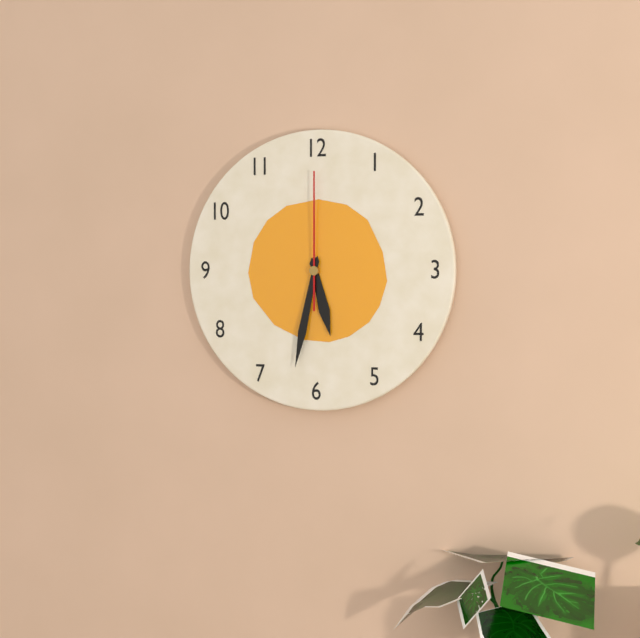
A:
h=5 m=32 s=0
